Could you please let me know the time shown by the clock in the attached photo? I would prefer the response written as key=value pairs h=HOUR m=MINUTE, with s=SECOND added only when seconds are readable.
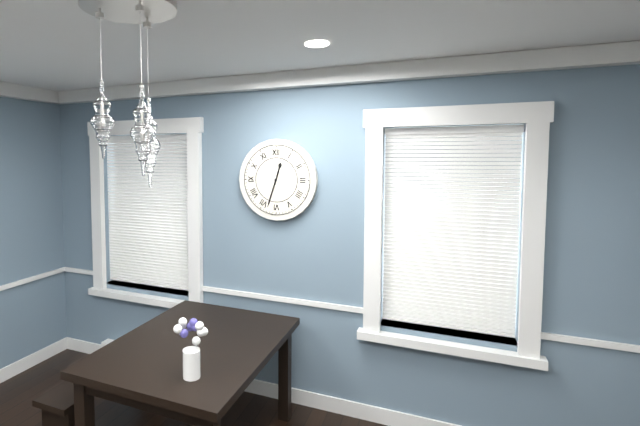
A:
h=12 m=33
